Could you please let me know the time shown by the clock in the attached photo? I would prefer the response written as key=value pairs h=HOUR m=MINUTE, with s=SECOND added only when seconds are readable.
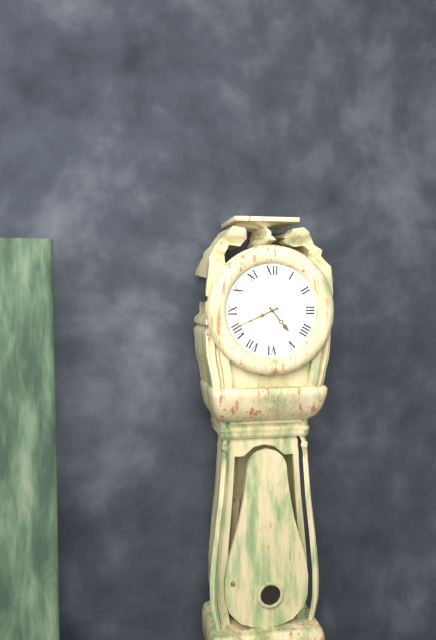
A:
h=4 m=41
